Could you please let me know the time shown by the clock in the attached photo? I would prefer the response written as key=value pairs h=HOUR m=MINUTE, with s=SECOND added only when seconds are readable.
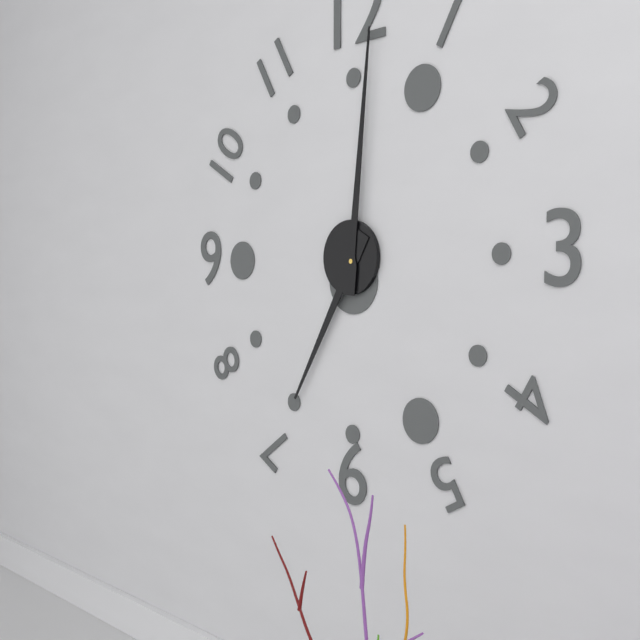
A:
h=7 m=1
